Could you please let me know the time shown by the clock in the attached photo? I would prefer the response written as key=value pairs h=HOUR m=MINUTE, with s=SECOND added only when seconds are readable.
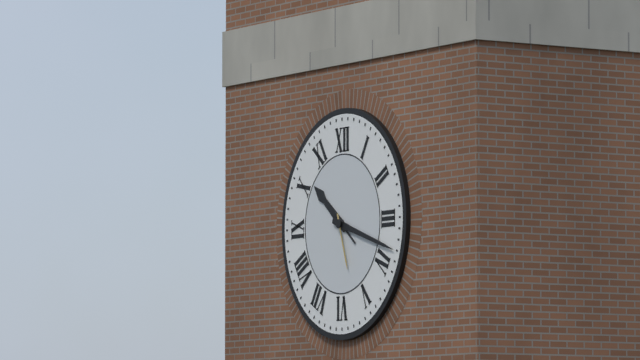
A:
h=10 m=18 s=27
